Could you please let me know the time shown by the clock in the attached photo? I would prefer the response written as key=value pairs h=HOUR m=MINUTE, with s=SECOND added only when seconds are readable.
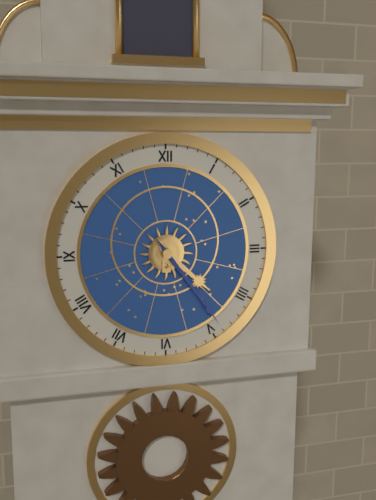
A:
h=4 m=24
